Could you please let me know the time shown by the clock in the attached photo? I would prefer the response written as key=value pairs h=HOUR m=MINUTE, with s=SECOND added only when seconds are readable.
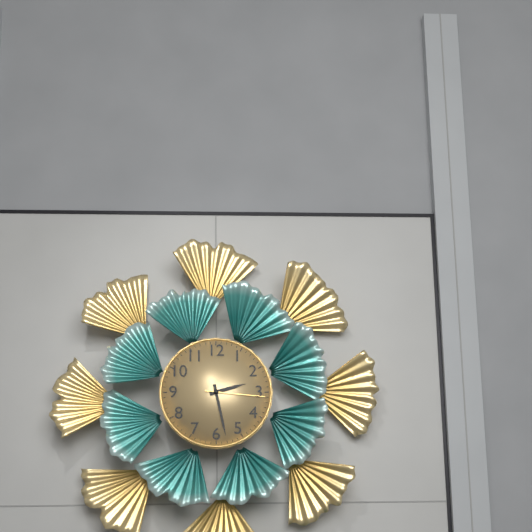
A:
h=2 m=28 s=16
